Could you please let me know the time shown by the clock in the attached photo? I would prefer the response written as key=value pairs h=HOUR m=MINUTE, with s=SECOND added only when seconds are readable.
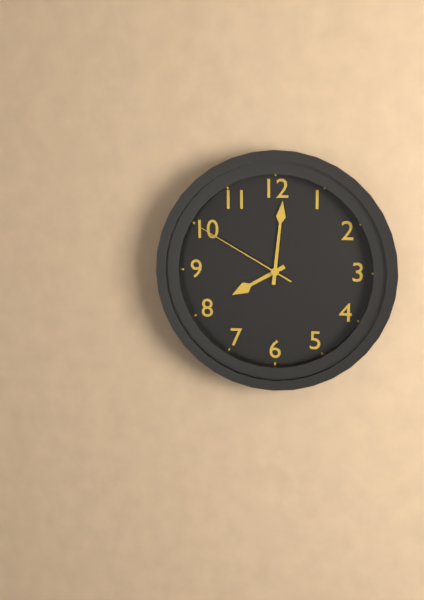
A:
h=8 m=1 s=50
